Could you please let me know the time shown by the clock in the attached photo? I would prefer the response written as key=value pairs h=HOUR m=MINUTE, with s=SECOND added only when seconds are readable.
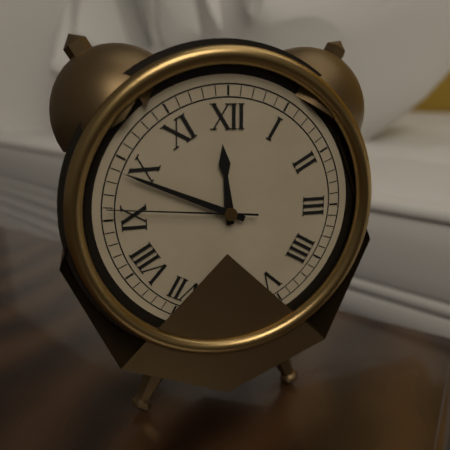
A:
h=11 m=49 s=46
